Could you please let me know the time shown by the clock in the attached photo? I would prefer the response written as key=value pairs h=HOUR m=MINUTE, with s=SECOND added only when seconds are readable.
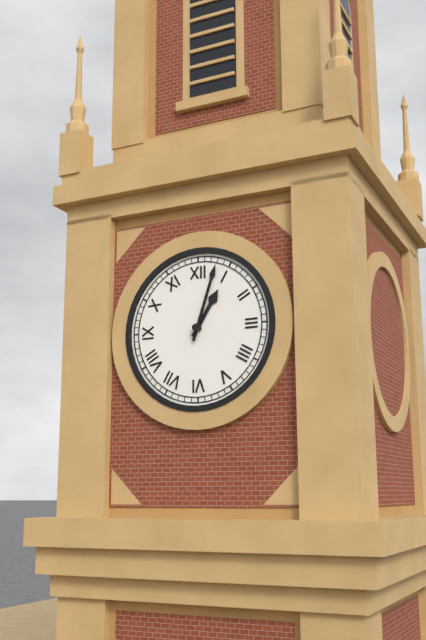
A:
h=1 m=3
